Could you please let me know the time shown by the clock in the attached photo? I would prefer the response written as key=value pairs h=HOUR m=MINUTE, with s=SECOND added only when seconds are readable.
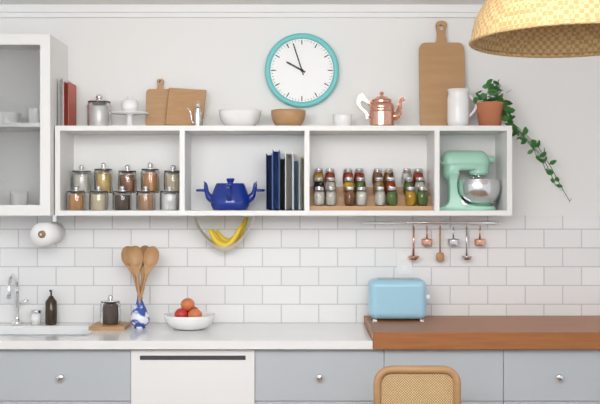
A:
h=9 m=57
